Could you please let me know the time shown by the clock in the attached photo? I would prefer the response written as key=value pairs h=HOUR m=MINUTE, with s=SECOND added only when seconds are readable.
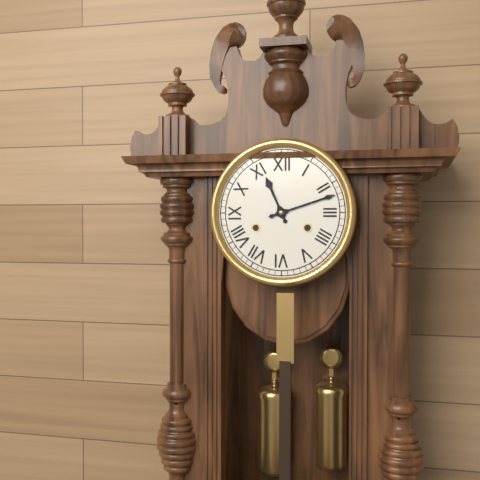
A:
h=11 m=12
